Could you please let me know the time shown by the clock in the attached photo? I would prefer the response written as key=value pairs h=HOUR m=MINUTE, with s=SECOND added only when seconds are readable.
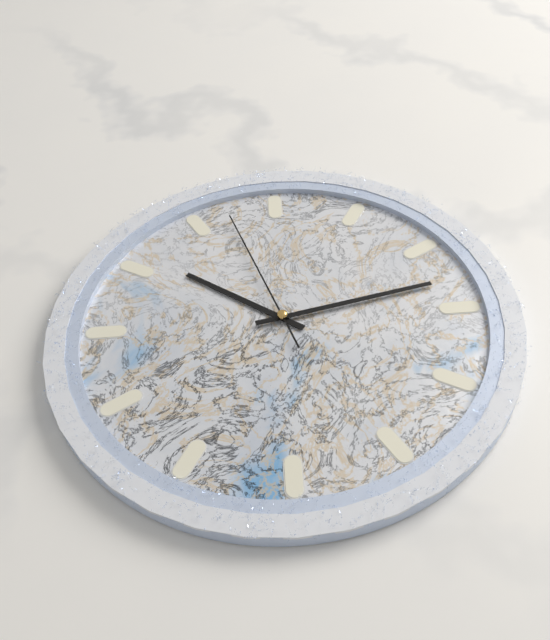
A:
h=10 m=13 s=57
